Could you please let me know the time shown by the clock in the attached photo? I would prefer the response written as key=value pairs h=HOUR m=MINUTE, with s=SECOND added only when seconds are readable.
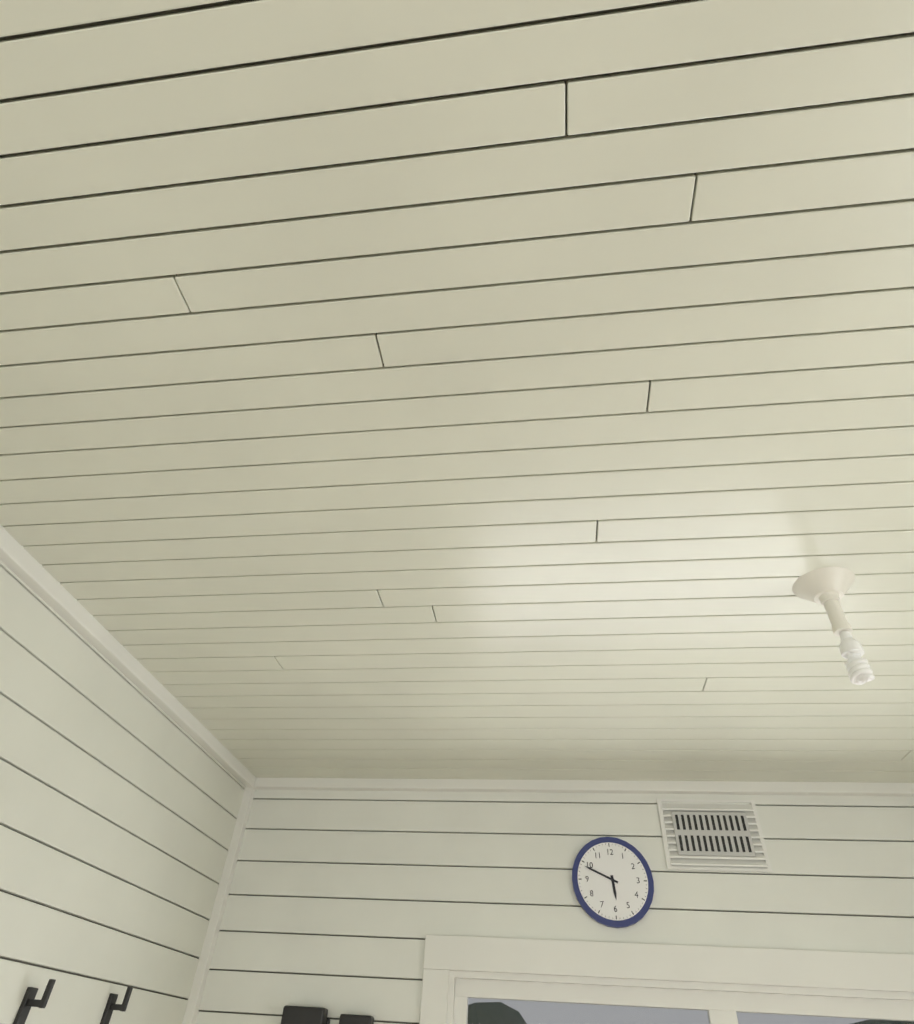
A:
h=5 m=49
